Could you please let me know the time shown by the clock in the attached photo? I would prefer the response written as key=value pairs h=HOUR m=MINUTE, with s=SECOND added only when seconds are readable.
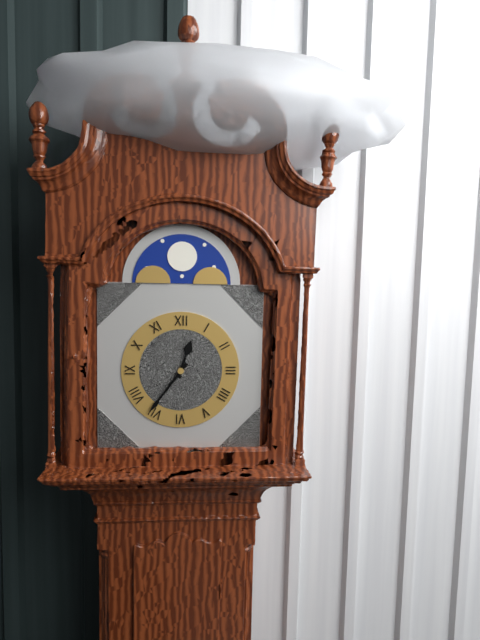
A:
h=12 m=36
